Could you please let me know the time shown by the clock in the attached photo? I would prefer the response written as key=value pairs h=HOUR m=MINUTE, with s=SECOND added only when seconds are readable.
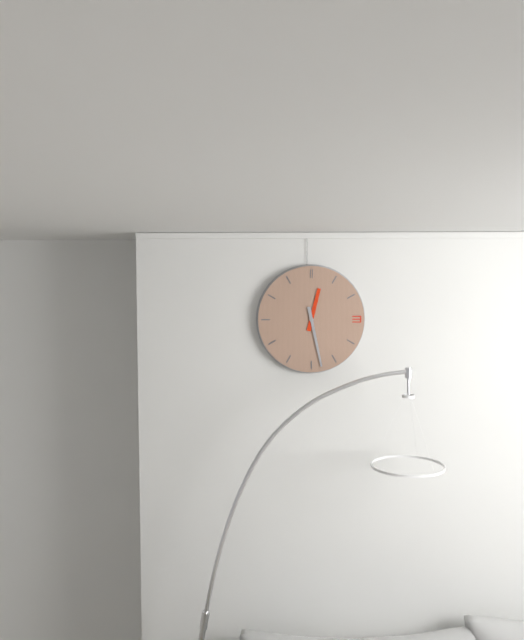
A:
h=12 m=28
